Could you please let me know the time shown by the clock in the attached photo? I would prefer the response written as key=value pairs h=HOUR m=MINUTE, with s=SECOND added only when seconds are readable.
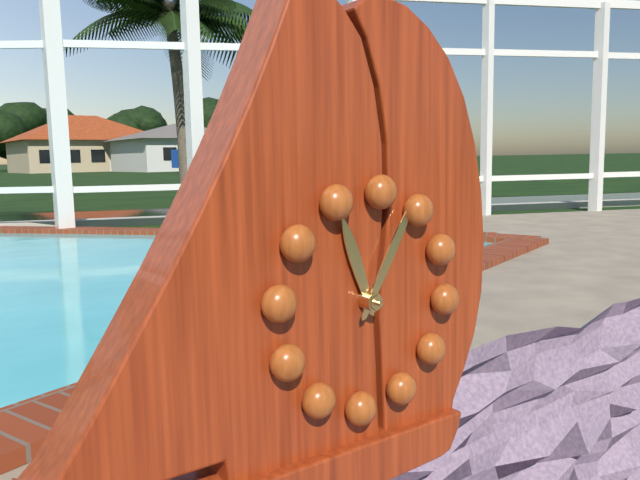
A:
h=11 m=4
